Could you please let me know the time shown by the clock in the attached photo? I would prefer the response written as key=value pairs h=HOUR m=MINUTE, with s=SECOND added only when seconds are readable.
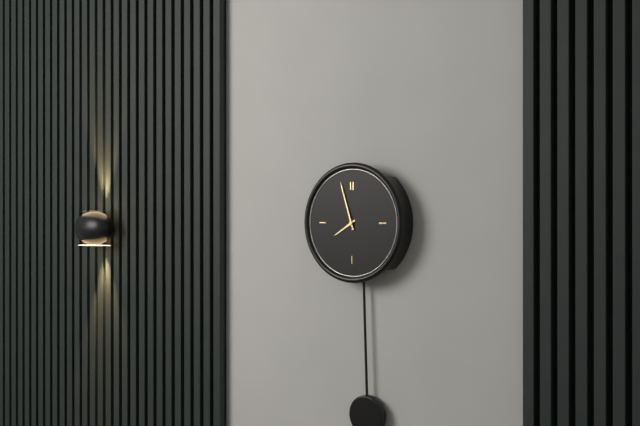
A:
h=7 m=57
